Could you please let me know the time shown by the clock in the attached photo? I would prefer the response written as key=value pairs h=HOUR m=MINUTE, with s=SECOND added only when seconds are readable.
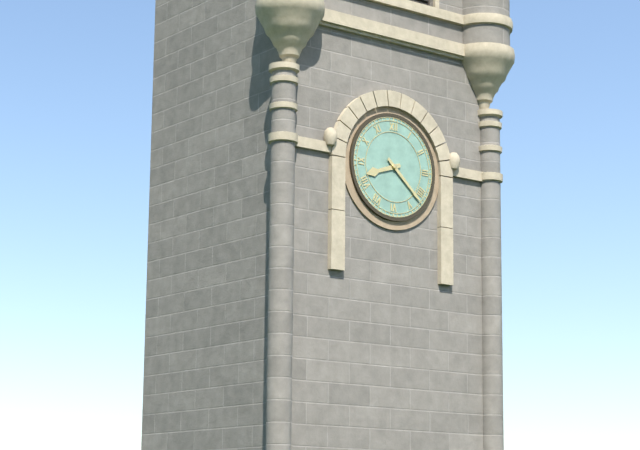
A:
h=8 m=22
